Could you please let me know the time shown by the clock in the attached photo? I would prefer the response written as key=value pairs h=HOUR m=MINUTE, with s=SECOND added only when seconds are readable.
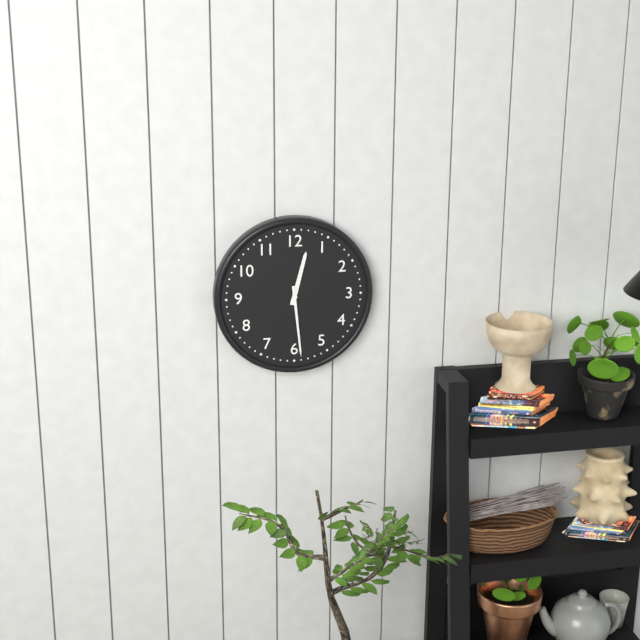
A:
h=12 m=29
